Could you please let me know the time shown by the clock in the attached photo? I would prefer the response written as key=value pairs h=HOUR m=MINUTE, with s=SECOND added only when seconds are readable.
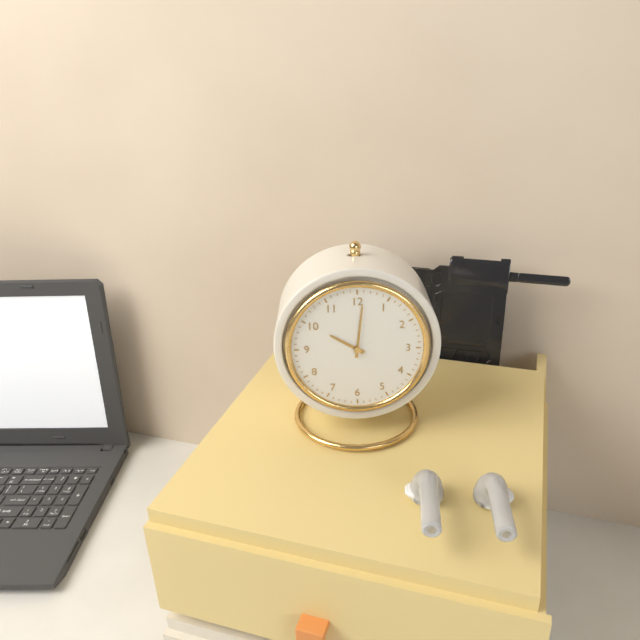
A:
h=10 m=1
